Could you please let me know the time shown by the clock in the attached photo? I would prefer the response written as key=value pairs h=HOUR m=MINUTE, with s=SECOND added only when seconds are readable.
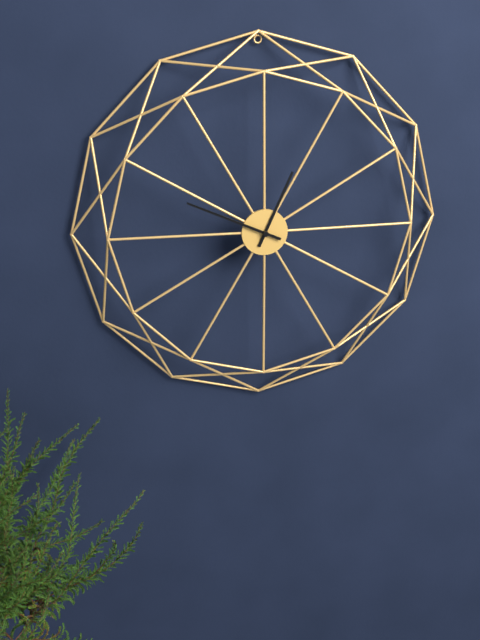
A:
h=12 m=49
